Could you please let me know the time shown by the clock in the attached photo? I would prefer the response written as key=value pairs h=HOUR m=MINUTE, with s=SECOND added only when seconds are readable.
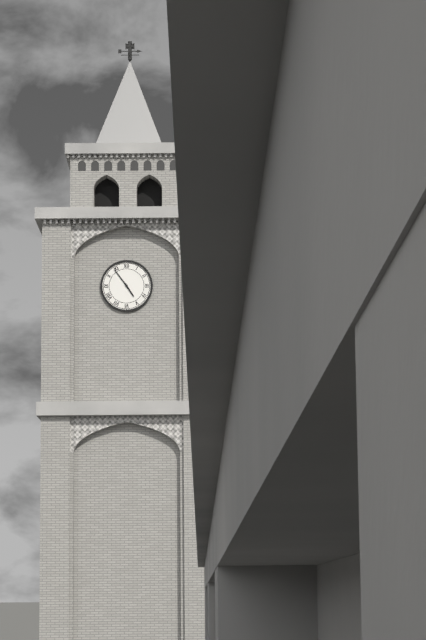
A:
h=4 m=54
